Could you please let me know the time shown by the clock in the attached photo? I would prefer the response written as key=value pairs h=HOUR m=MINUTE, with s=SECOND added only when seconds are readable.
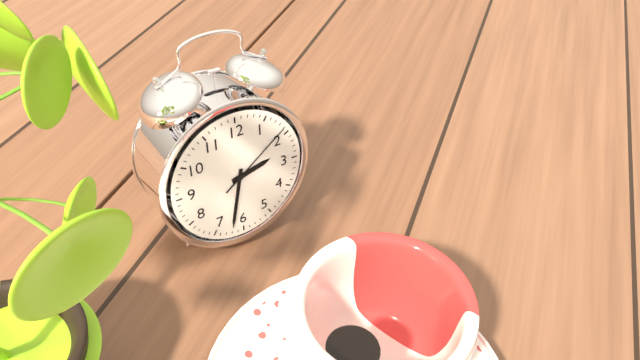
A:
h=2 m=32 s=9
